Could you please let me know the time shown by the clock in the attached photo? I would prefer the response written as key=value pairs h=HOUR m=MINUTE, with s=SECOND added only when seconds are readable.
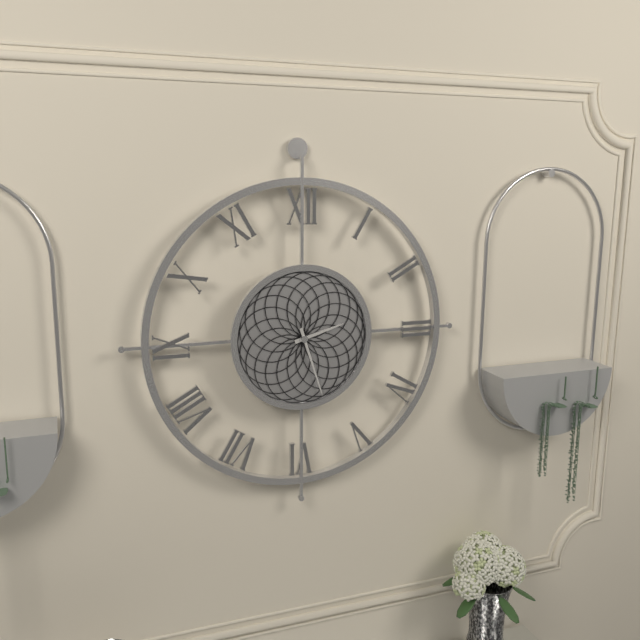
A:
h=2 m=27
